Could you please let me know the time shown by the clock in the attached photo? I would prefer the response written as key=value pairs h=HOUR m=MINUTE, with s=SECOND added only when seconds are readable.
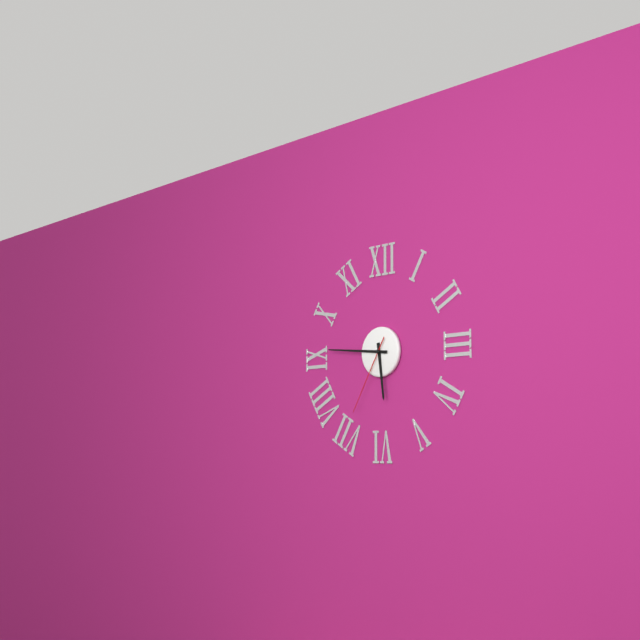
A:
h=5 m=46 s=35
